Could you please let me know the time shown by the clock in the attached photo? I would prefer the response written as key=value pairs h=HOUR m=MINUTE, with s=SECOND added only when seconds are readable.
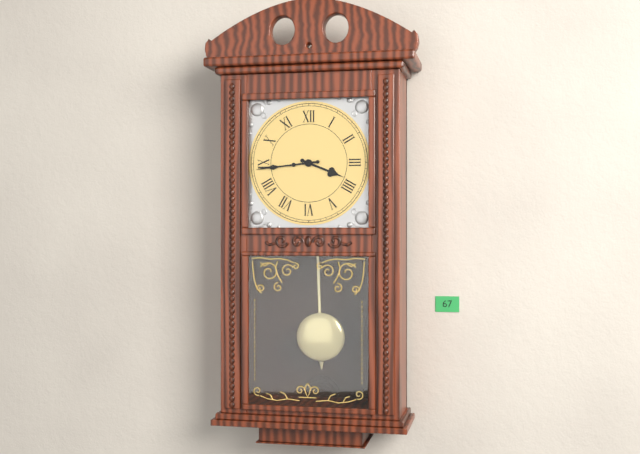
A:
h=3 m=44
